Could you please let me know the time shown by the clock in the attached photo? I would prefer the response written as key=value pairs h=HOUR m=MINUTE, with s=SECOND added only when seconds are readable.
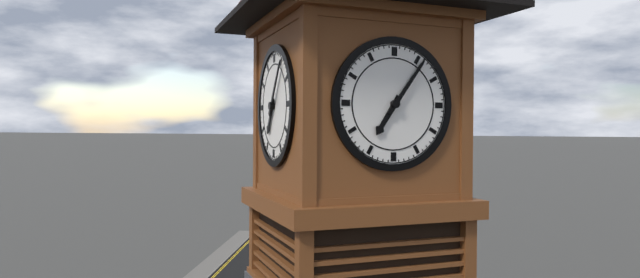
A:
h=7 m=6
